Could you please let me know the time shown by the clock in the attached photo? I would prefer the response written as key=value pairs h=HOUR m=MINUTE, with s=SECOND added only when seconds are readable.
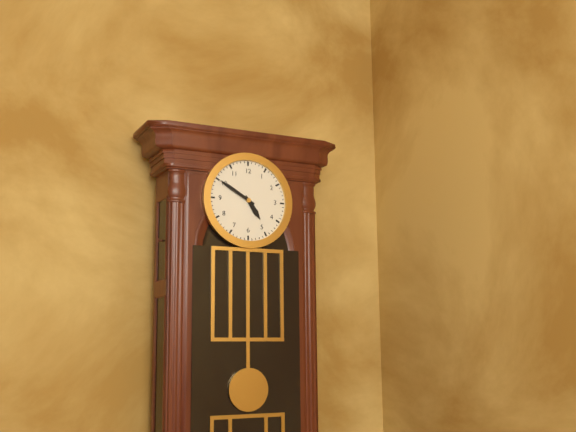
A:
h=4 m=50
